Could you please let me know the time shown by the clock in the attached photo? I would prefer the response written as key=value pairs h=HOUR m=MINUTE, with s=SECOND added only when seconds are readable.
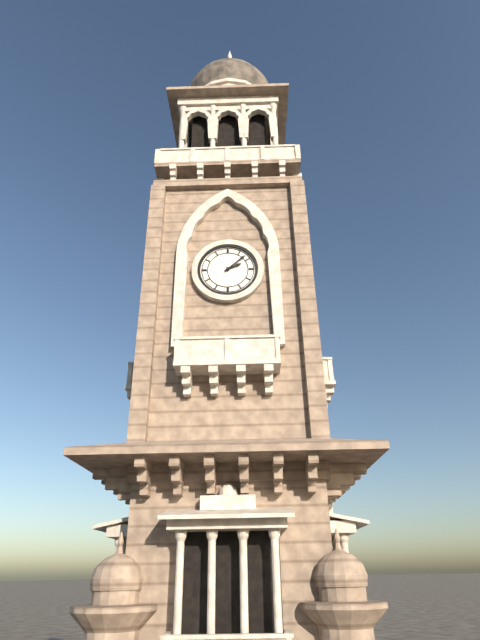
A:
h=2 m=8
